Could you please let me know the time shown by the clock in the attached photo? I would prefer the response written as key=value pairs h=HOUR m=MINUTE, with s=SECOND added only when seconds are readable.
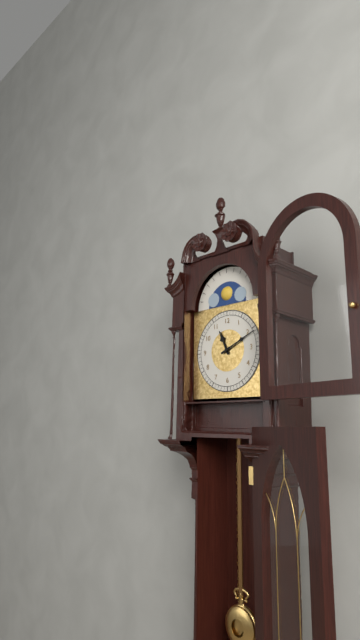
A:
h=11 m=11
